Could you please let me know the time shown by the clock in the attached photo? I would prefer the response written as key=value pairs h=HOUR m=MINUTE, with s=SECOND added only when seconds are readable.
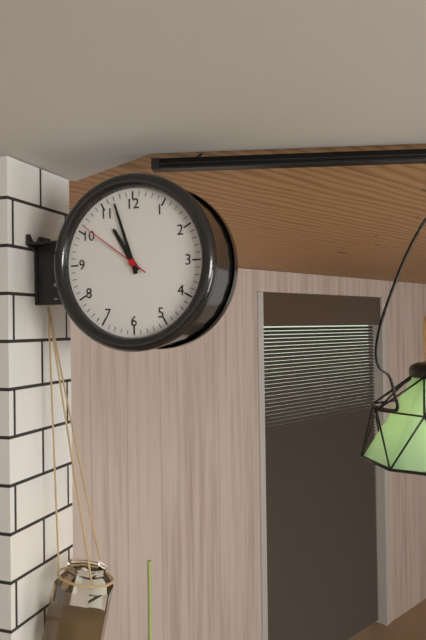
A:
h=10 m=57 s=51
